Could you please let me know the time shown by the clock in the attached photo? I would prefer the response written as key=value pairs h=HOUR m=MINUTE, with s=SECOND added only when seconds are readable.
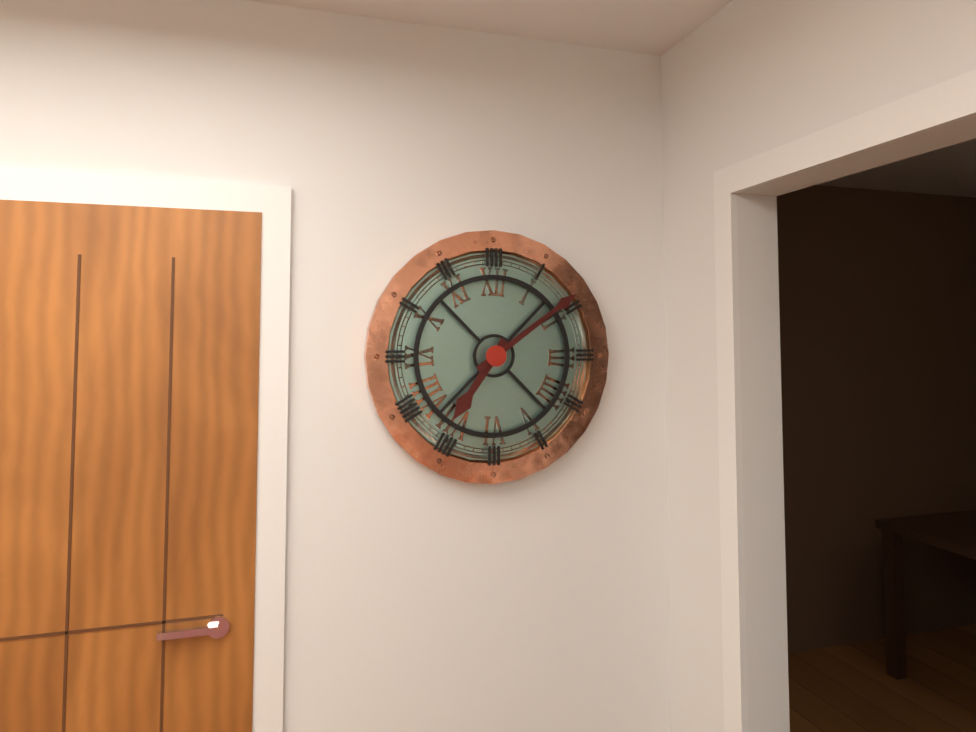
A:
h=7 m=9
